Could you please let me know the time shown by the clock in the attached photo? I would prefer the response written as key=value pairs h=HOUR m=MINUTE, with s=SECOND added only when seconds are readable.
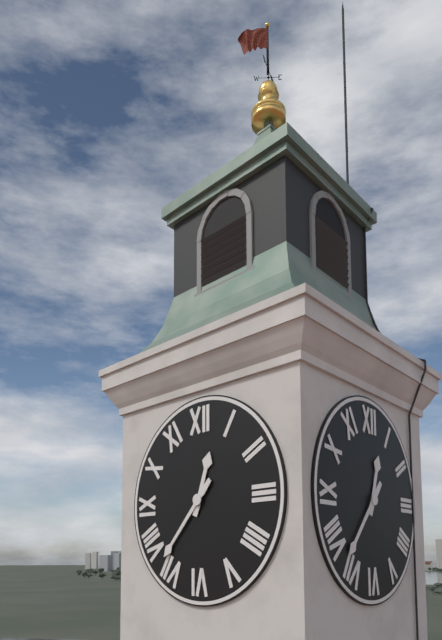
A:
h=12 m=37
